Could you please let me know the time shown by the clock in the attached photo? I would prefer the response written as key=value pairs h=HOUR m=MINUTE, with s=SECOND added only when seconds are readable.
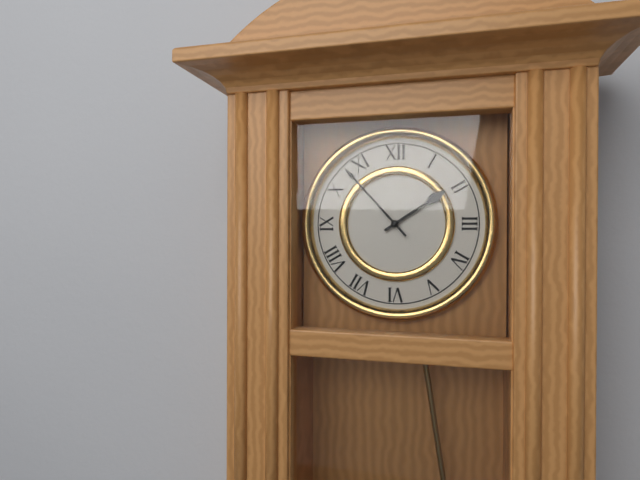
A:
h=1 m=53
